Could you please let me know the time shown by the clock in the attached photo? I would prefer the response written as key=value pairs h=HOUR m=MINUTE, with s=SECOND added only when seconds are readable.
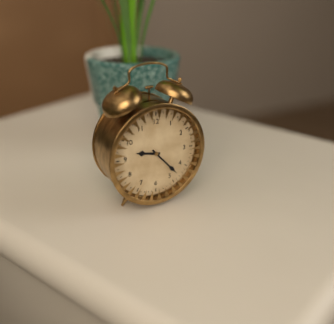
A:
h=9 m=23
